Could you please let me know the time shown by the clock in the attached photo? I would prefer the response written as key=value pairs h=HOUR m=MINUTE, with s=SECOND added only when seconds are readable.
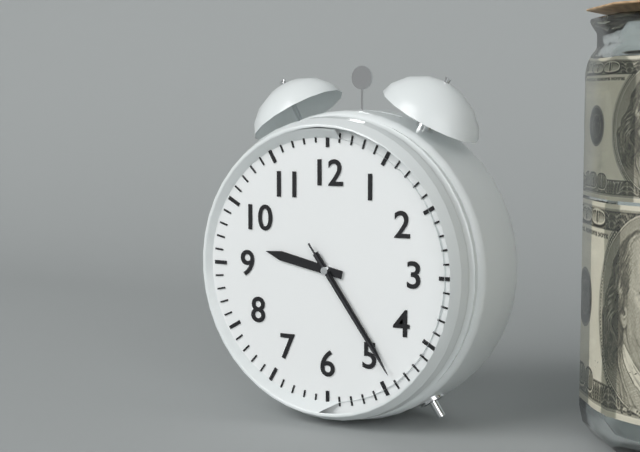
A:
h=9 m=24 s=24
